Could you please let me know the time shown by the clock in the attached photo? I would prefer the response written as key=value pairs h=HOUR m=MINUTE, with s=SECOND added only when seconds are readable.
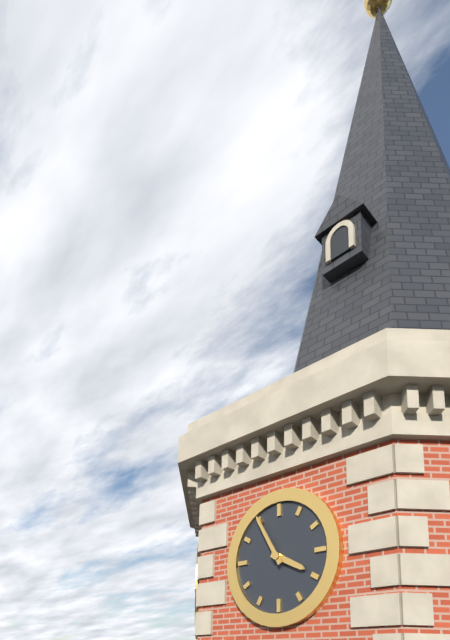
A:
h=3 m=55
